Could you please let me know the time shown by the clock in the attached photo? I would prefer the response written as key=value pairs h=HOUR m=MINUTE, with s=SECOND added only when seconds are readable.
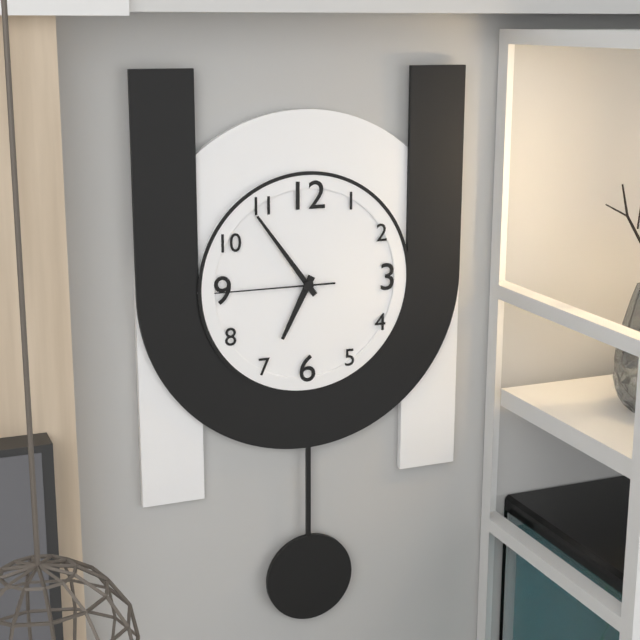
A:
h=6 m=54 s=45
